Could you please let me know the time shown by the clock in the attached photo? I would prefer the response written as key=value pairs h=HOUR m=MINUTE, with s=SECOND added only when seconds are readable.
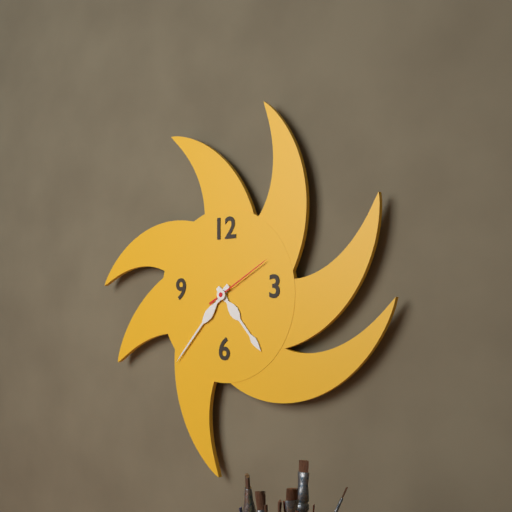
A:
h=4 m=37 s=10
